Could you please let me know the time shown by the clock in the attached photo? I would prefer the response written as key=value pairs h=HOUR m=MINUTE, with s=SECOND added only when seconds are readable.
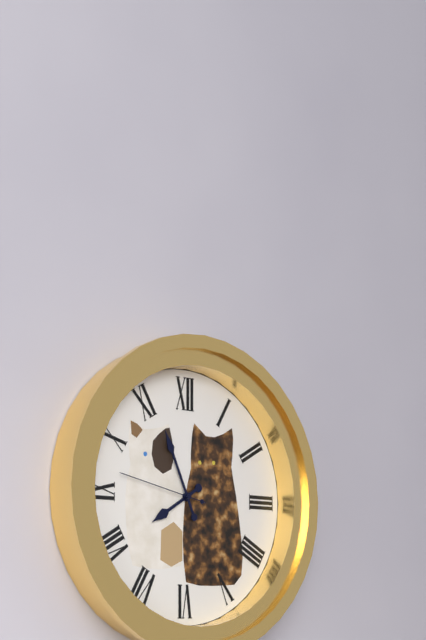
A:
h=7 m=56 s=47
